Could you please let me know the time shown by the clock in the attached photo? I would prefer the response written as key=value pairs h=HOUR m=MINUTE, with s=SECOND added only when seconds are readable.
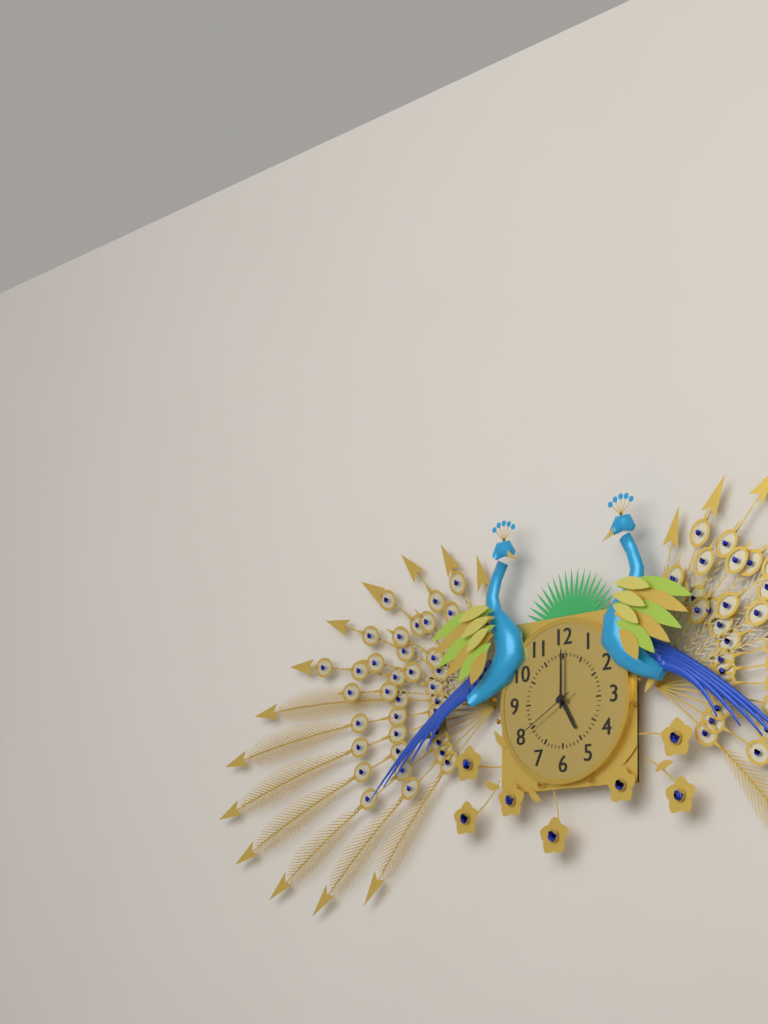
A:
h=5 m=0 s=40
